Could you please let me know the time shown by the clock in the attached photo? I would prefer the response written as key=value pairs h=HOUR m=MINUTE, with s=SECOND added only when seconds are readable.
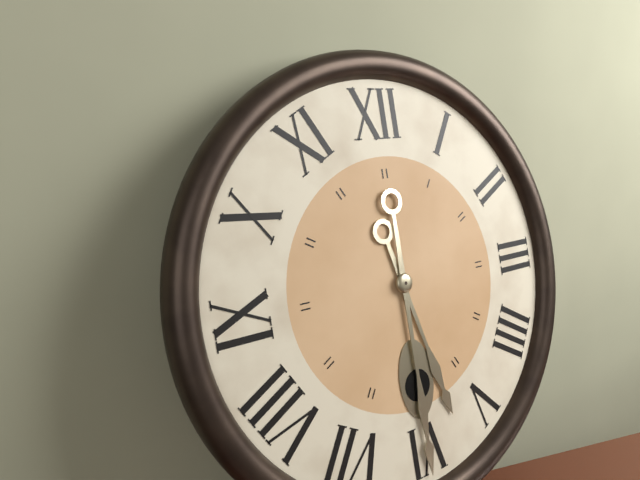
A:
h=5 m=30
